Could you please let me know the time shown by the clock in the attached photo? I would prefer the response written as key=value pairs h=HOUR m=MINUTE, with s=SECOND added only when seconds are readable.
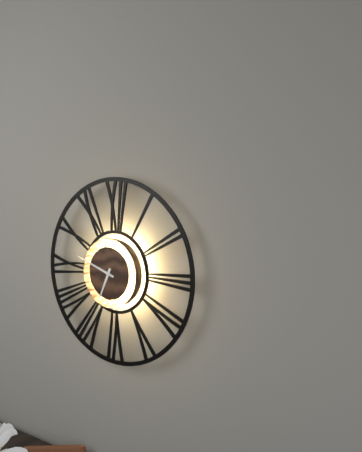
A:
h=6 m=48
